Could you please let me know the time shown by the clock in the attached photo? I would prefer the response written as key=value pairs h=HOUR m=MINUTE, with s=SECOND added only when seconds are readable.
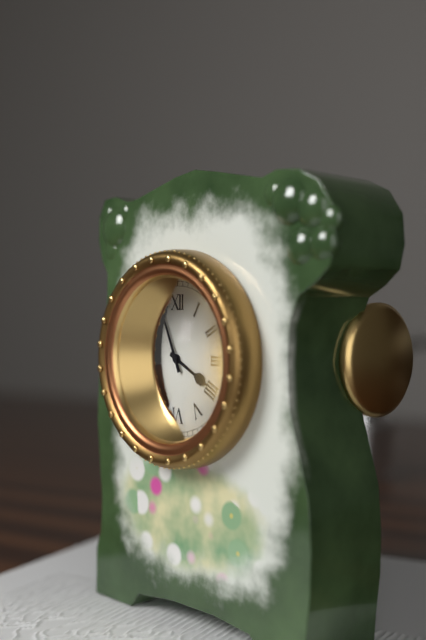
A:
h=3 m=56
